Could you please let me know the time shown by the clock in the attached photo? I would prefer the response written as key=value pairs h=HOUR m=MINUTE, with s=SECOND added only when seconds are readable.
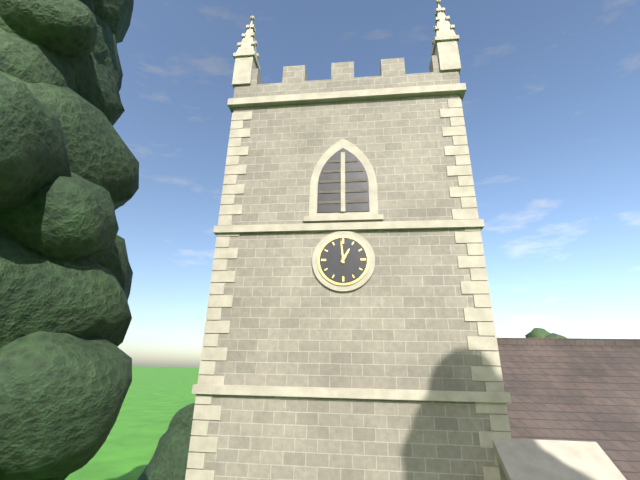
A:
h=12 m=59
